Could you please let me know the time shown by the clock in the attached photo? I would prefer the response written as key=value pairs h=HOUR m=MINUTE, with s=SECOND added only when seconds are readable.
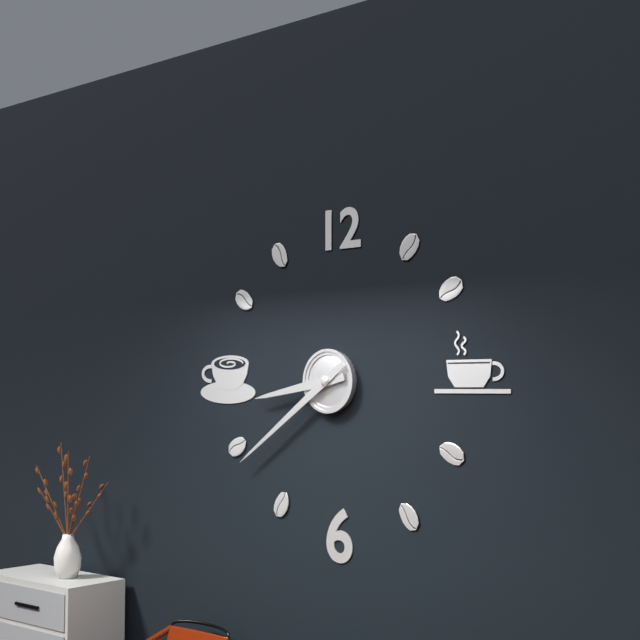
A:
h=8 m=39
